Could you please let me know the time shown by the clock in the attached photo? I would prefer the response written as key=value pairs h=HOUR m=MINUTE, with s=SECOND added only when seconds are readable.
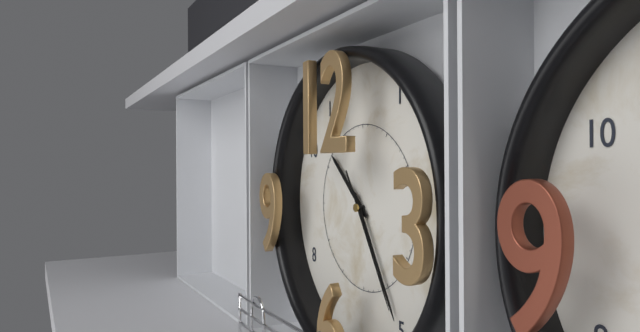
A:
h=10 m=25 s=25
